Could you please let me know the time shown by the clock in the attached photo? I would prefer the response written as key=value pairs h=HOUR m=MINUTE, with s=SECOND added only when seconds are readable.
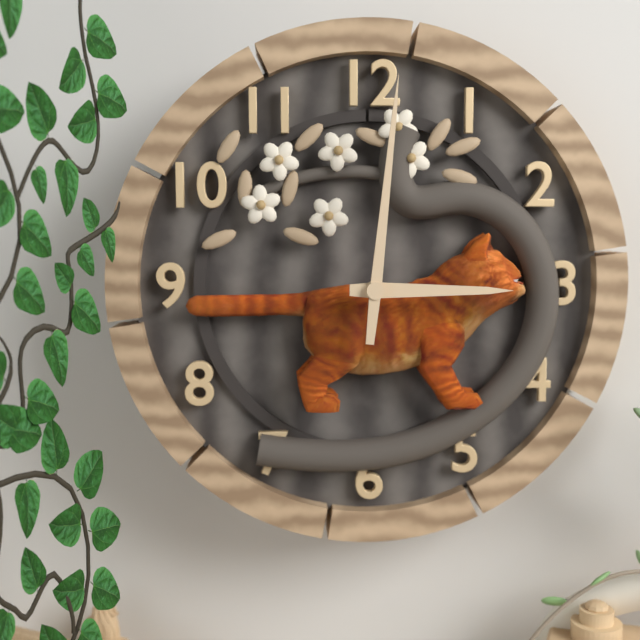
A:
h=3 m=1
